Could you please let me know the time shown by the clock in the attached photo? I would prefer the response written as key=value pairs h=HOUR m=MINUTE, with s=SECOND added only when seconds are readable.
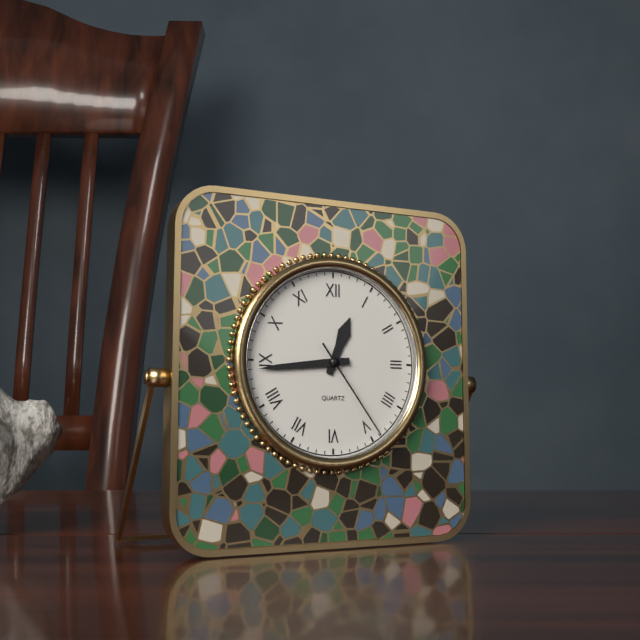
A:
h=12 m=44 s=24
